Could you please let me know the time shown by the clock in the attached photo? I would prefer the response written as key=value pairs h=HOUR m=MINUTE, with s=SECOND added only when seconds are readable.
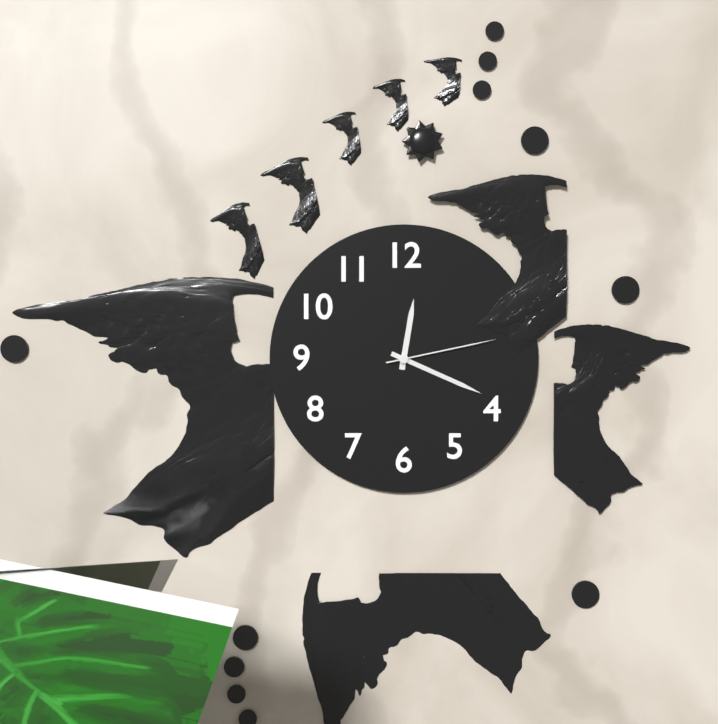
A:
h=12 m=19 s=13
